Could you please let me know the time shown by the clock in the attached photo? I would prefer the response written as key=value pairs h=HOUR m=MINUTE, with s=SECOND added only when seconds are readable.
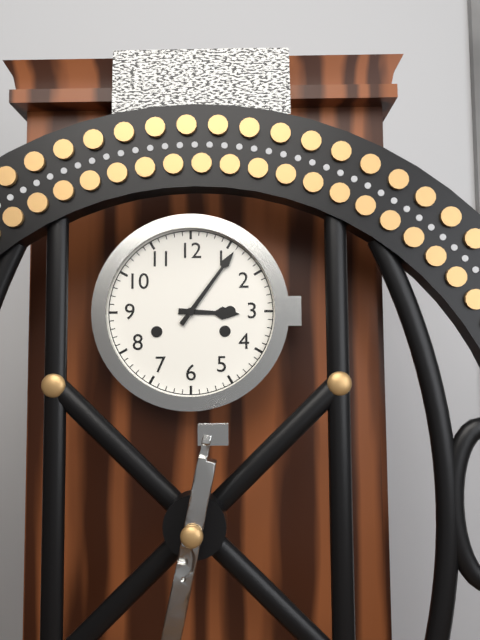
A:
h=3 m=6
